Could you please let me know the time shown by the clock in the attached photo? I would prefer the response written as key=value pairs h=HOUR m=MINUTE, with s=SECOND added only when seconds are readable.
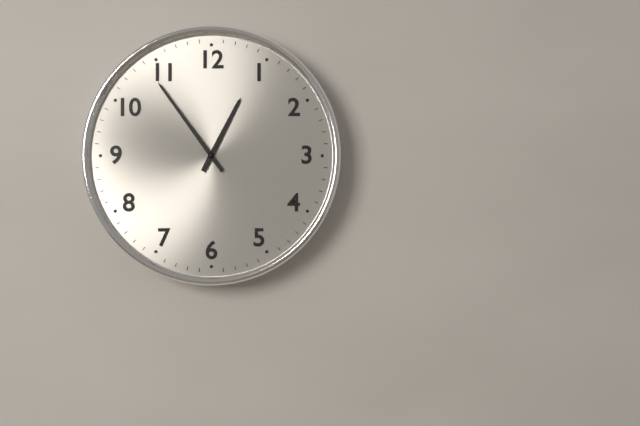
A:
h=12 m=54
